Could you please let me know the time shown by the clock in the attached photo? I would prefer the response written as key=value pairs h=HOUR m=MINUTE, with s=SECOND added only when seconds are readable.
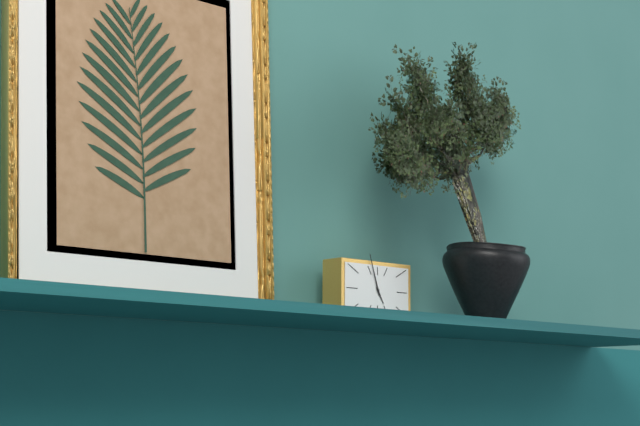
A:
h=4 m=57
